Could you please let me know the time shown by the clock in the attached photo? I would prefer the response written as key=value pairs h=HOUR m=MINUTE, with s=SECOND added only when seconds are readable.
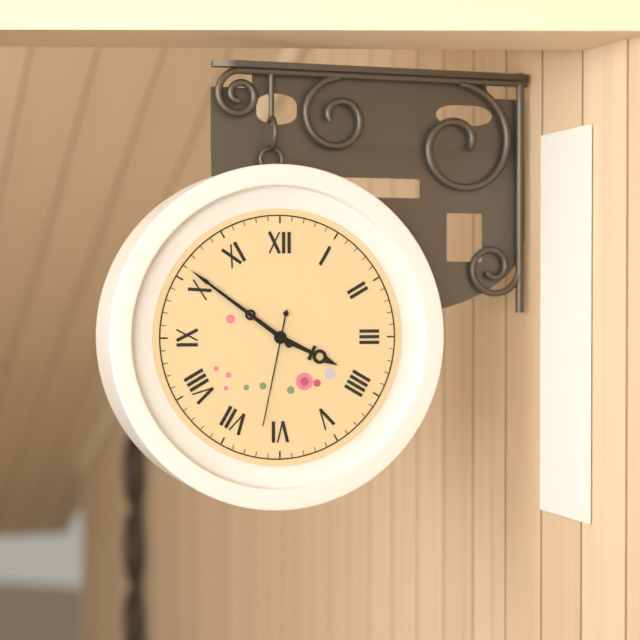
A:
h=3 m=51 s=32
